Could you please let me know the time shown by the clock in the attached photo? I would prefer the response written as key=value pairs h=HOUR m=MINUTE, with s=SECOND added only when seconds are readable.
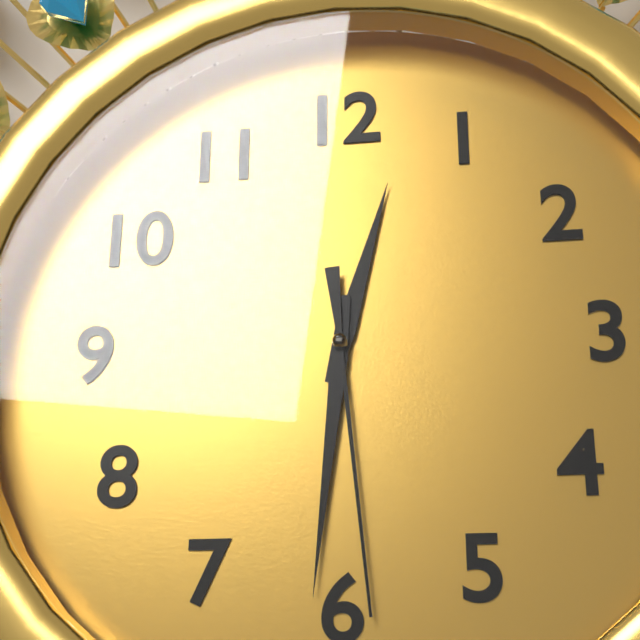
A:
h=12 m=31 s=29
